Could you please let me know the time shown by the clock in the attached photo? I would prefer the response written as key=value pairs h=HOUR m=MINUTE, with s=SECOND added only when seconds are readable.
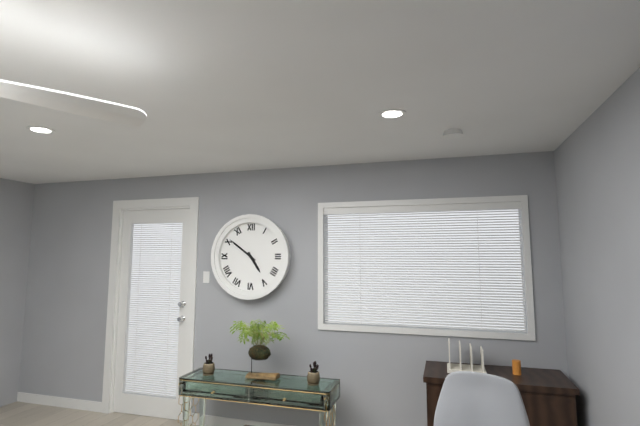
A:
h=4 m=51
